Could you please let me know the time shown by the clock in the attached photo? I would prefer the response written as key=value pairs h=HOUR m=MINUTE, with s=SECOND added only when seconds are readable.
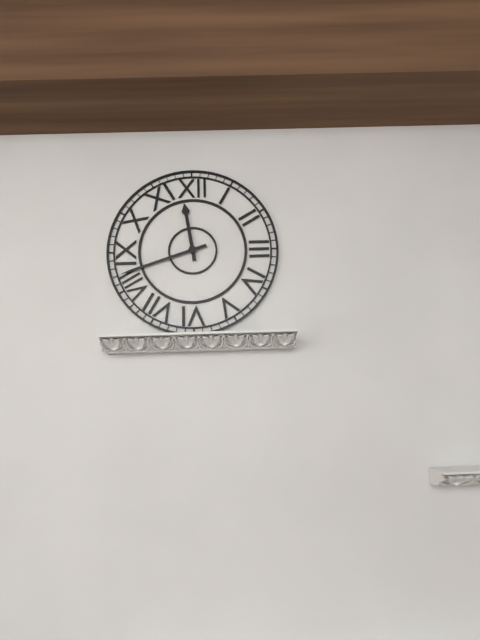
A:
h=11 m=42
